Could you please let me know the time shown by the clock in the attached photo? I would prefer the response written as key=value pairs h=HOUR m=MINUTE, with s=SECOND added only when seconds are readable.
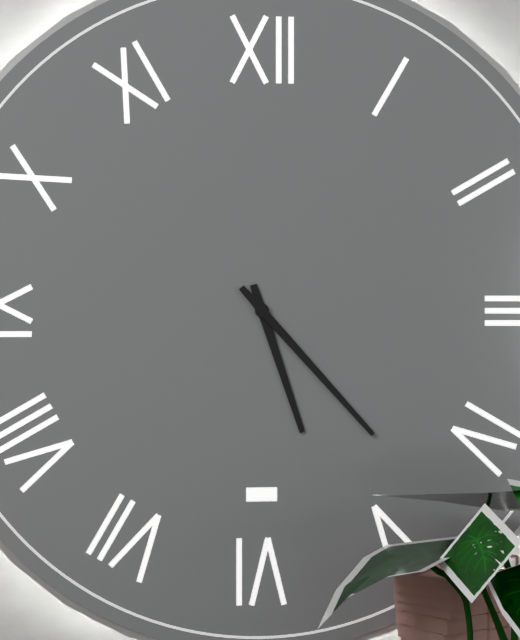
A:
h=5 m=23
